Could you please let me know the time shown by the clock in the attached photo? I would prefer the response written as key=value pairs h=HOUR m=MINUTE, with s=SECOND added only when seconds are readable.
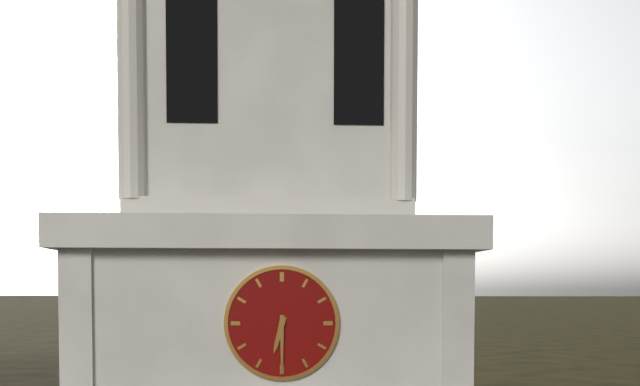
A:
h=6 m=30
